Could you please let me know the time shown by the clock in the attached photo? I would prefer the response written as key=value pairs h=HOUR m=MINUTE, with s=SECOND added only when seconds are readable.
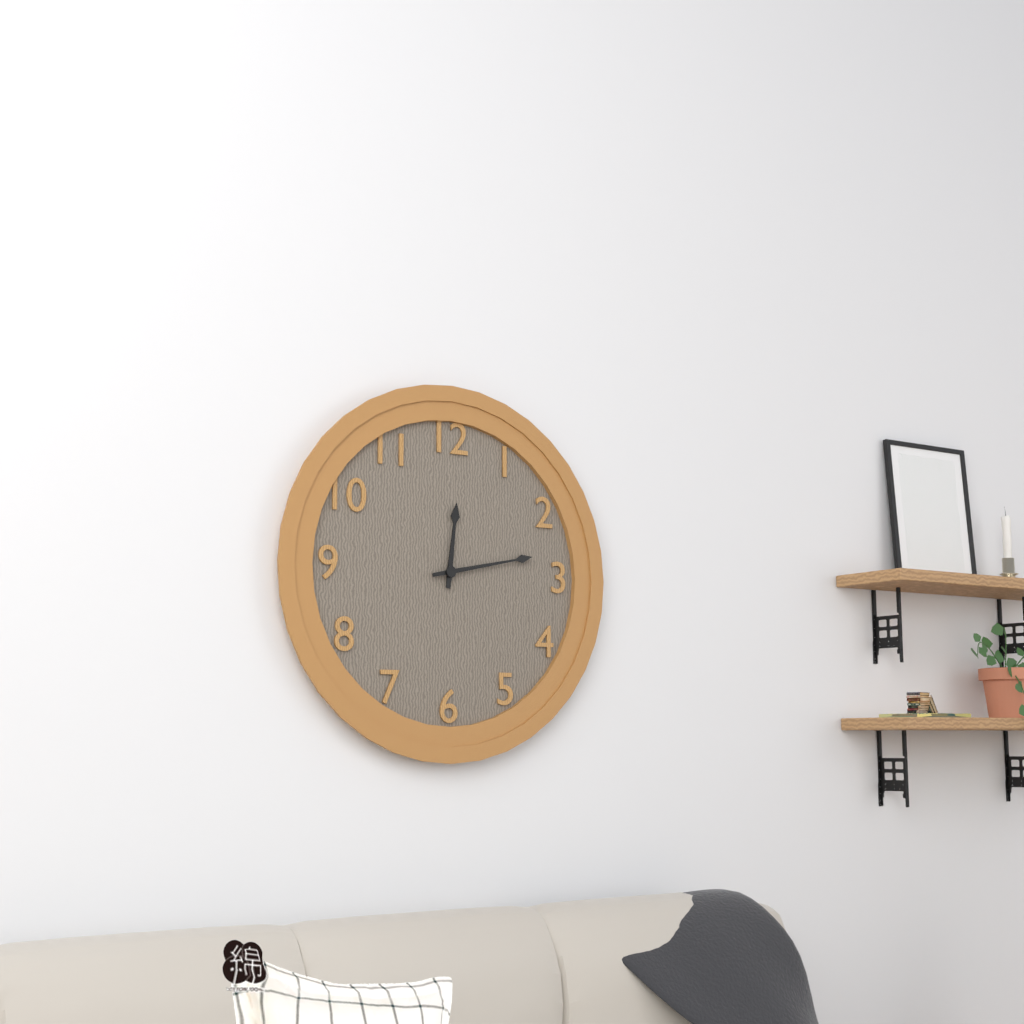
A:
h=12 m=13
